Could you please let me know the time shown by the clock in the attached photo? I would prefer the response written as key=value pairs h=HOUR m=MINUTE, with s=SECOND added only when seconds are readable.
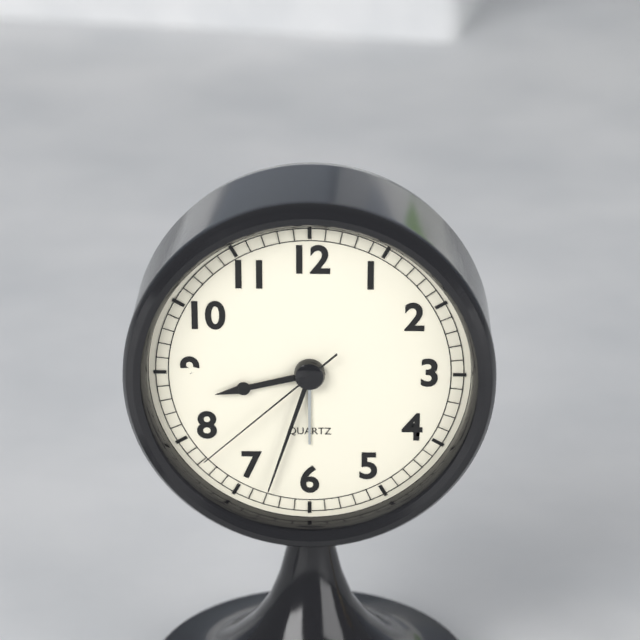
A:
h=8 m=33 s=38
